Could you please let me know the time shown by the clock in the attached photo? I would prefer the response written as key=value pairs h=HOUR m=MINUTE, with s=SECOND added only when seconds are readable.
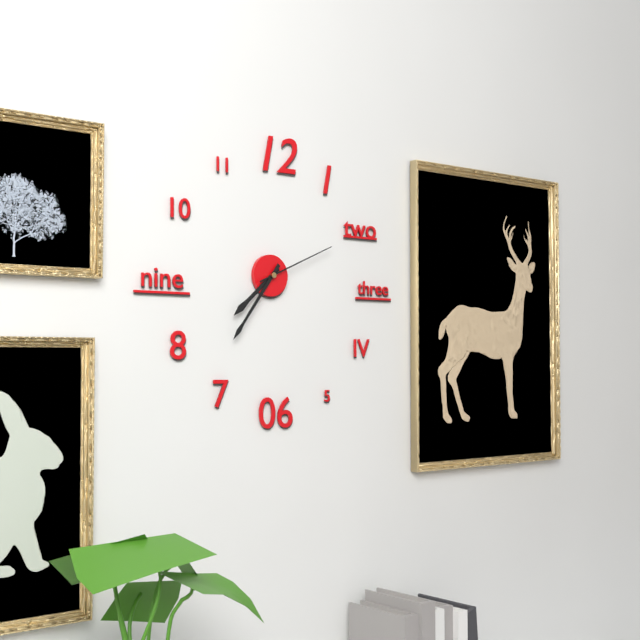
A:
h=7 m=36 s=11
